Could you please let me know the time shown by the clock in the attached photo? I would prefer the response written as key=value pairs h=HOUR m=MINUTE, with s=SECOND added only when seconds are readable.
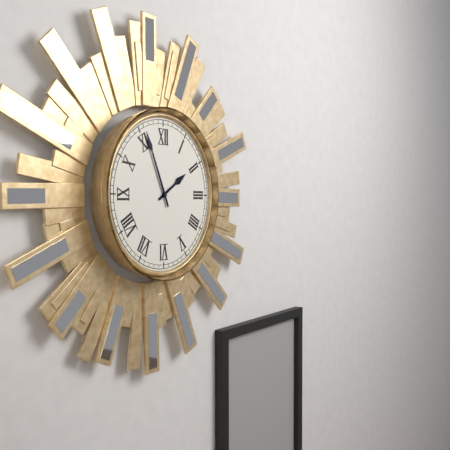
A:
h=1 m=56
